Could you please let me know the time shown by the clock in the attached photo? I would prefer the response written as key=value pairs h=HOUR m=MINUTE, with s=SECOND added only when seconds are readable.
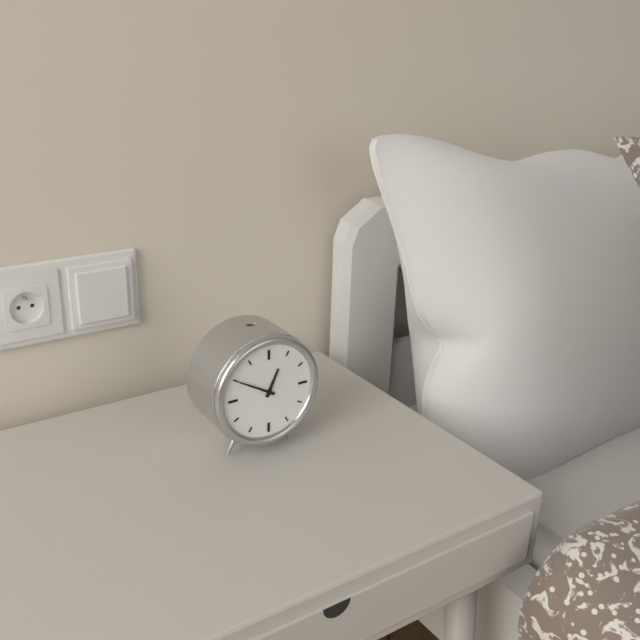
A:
h=12 m=50
